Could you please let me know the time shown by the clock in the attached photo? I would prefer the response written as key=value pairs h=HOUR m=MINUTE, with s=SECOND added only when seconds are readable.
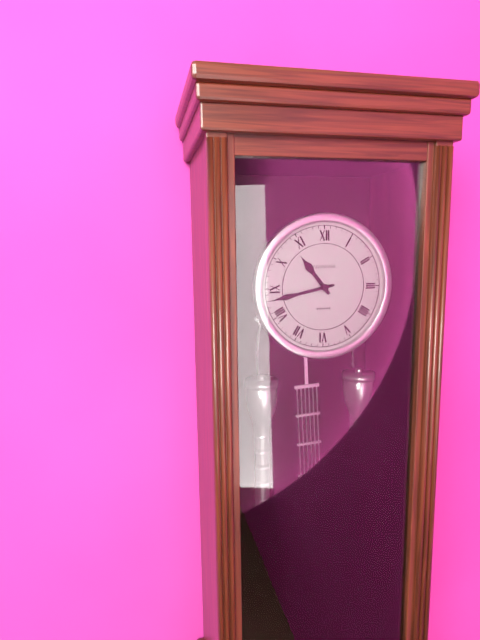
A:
h=10 m=43
